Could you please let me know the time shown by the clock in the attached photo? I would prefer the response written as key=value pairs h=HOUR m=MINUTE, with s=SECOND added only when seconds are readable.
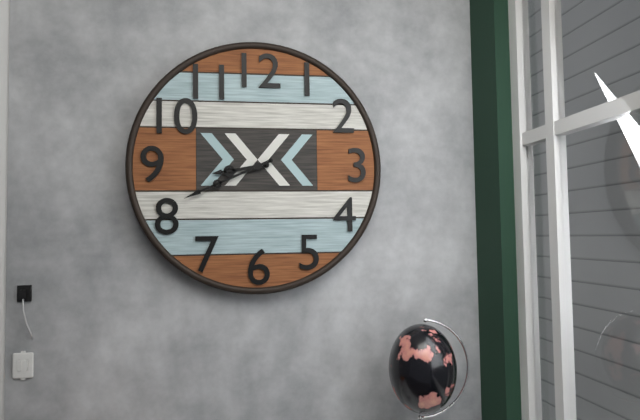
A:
h=8 m=41
